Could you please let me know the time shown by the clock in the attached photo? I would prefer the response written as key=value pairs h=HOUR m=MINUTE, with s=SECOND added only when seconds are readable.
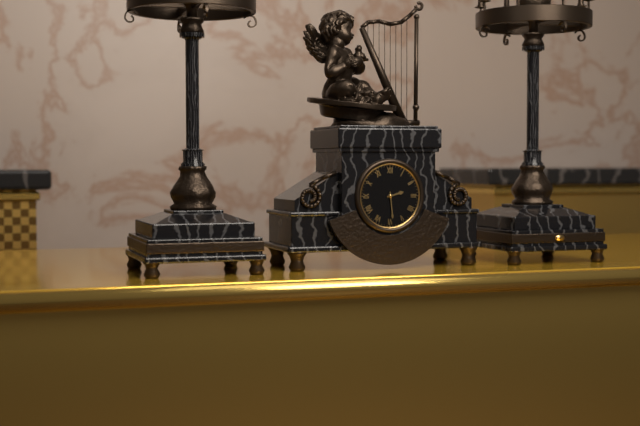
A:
h=2 m=29
